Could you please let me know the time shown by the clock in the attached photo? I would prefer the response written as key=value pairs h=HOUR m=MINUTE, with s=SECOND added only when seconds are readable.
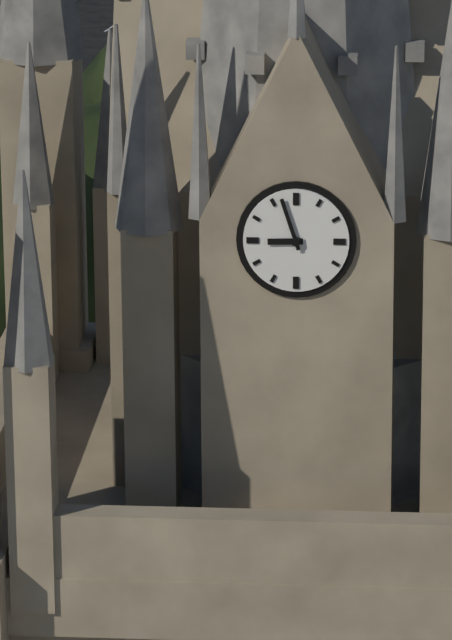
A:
h=8 m=57
